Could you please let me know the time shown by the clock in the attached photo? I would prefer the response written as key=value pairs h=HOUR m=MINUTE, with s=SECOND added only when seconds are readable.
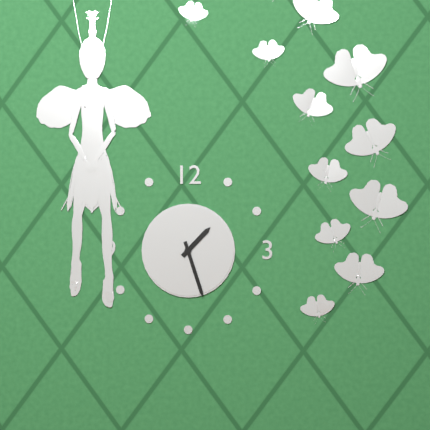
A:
h=1 m=27
